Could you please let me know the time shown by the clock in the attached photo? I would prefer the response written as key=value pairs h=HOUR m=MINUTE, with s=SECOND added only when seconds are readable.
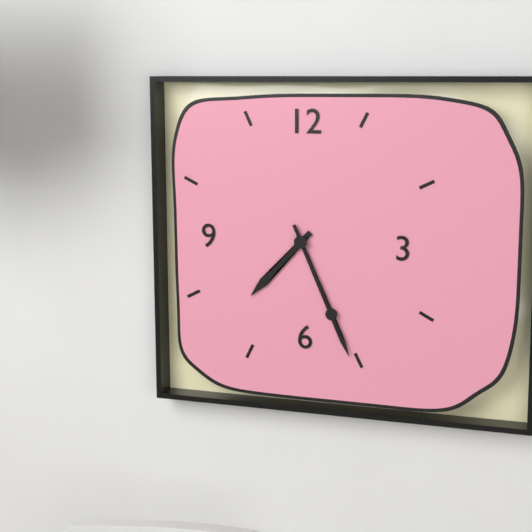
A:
h=7 m=26
